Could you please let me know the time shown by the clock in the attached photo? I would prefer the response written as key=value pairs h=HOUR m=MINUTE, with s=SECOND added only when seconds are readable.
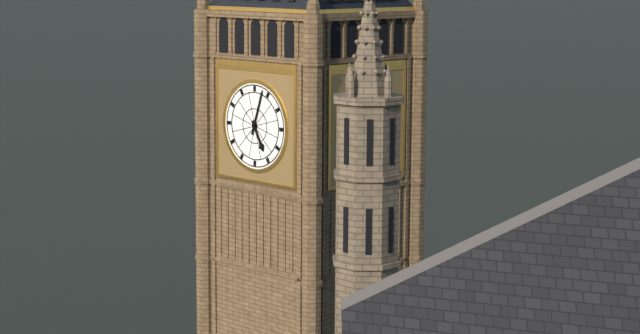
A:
h=5 m=3
